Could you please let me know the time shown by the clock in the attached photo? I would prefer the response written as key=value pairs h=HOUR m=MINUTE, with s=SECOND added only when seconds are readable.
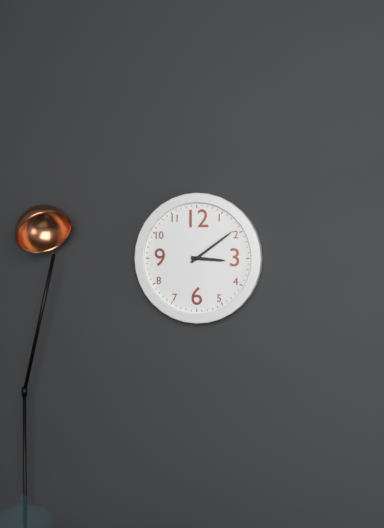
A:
h=3 m=9
